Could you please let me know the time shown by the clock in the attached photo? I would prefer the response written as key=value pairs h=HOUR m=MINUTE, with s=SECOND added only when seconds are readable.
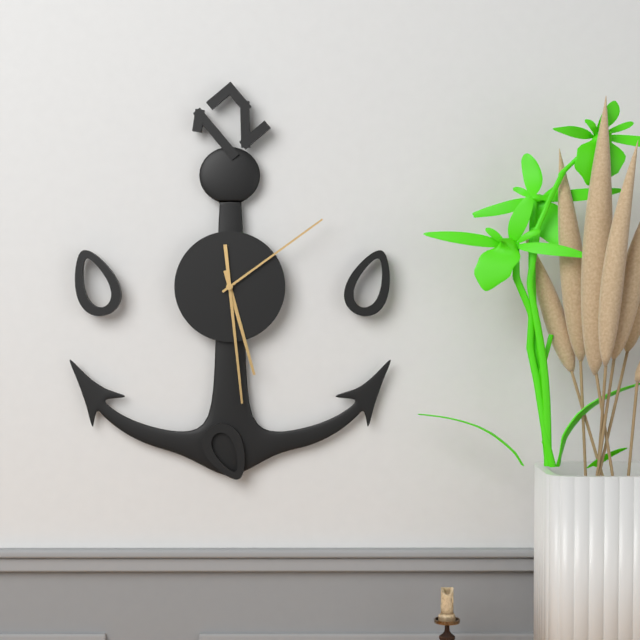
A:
h=5 m=29 s=9
